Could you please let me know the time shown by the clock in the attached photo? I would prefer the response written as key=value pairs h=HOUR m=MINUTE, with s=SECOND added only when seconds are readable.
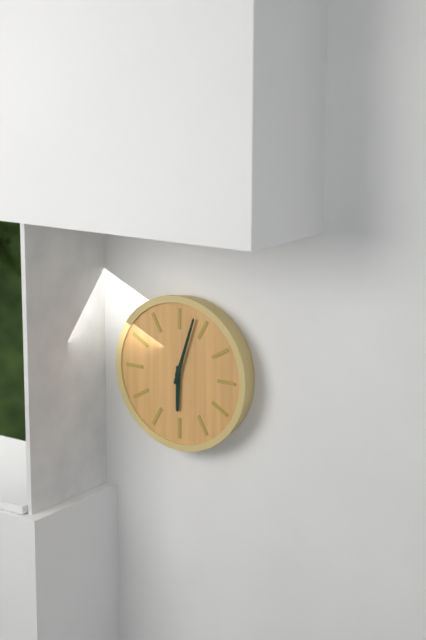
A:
h=6 m=3
